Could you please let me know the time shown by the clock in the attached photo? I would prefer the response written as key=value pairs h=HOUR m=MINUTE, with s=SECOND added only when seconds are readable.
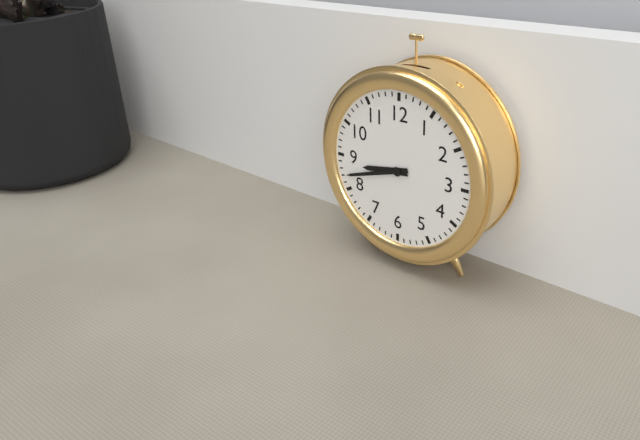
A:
h=8 m=42
